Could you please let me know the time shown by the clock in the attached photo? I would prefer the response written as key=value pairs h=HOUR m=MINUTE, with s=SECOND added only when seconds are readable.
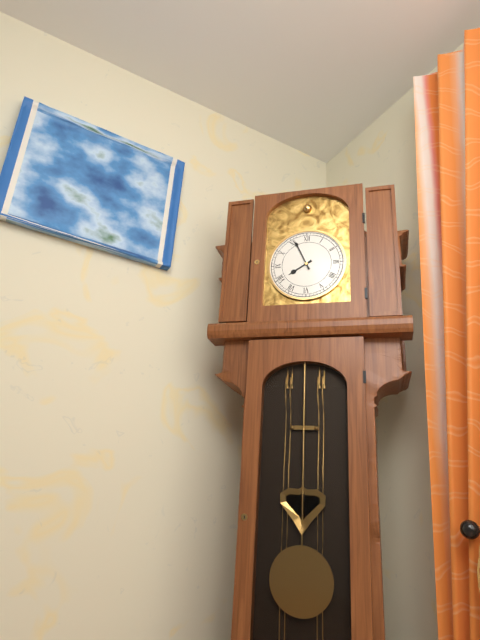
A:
h=7 m=56
